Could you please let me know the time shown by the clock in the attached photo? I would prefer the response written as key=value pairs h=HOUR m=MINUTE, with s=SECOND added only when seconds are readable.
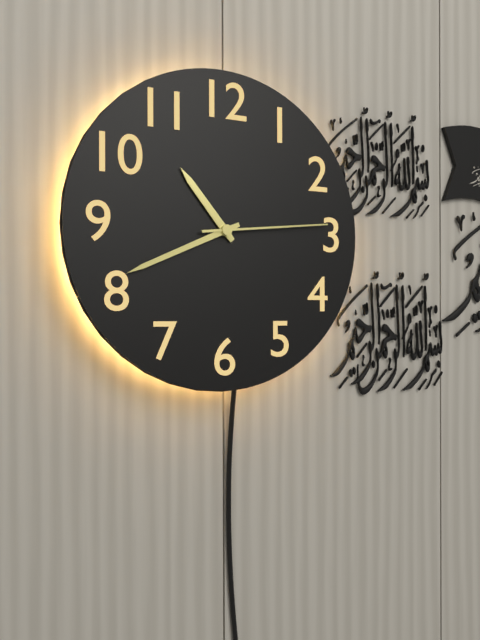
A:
h=10 m=41 s=14
